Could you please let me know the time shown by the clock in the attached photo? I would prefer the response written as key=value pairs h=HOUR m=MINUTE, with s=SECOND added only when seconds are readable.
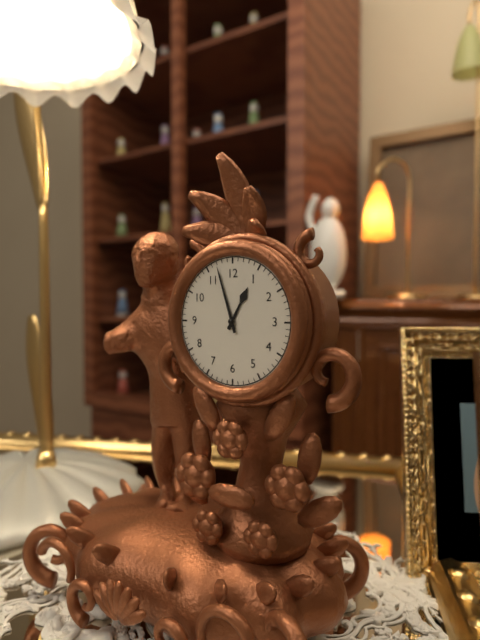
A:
h=12 m=57
